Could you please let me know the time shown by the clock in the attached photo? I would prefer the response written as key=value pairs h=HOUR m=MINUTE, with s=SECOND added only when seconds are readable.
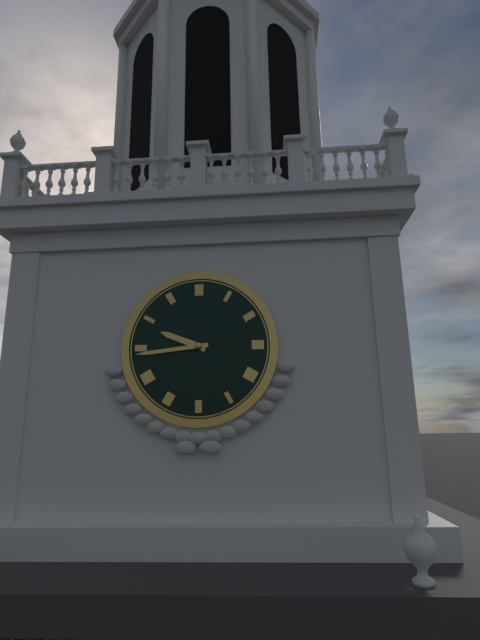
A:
h=9 m=44
